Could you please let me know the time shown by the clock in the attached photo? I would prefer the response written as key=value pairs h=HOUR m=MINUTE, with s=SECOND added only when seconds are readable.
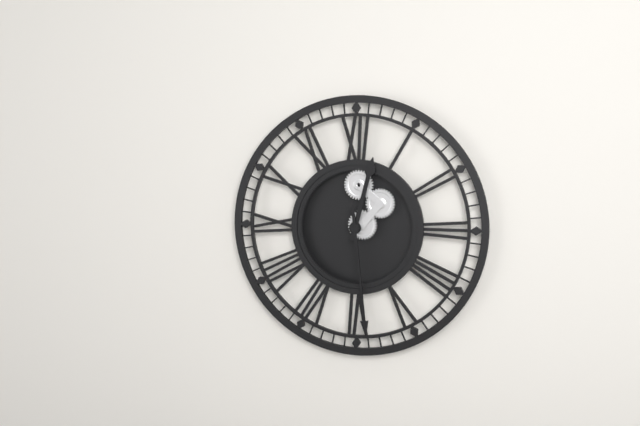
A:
h=12 m=29
